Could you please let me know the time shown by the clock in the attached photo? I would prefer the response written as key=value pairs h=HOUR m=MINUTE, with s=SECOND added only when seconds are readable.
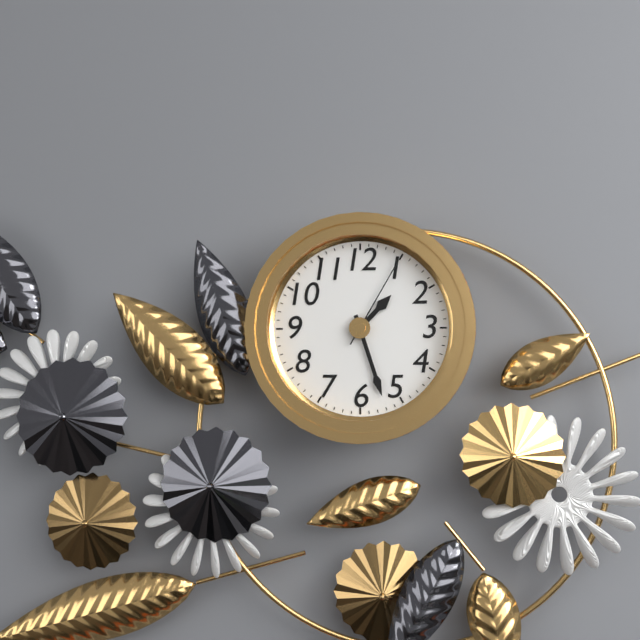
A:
h=1 m=27 s=5
